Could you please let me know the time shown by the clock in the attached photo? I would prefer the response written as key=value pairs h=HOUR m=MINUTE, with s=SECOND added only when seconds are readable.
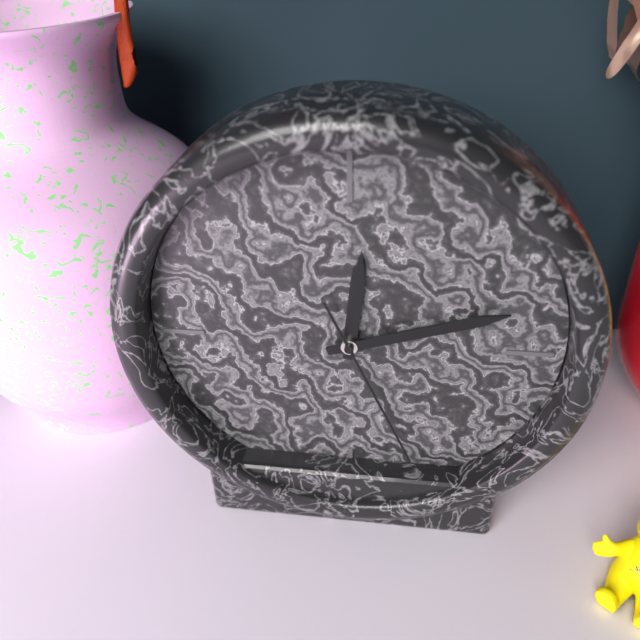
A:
h=12 m=12 s=26
